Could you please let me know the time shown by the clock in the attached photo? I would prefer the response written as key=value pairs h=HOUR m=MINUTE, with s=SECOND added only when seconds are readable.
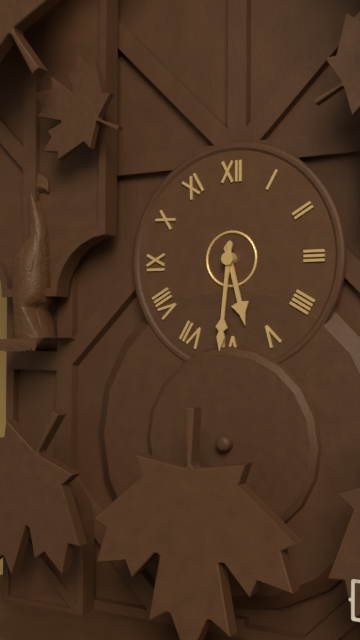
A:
h=5 m=31
